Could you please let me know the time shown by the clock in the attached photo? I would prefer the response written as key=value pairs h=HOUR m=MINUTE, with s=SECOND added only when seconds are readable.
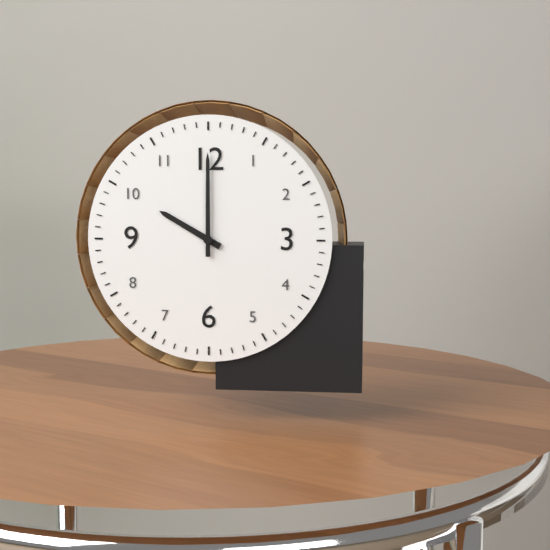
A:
h=10 m=0
